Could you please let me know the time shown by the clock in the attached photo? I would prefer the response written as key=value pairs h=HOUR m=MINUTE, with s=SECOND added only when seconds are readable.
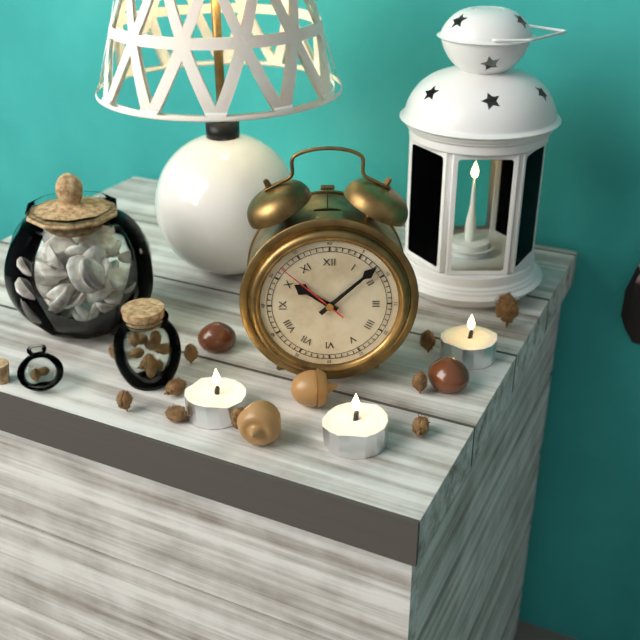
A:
h=10 m=8 s=52
